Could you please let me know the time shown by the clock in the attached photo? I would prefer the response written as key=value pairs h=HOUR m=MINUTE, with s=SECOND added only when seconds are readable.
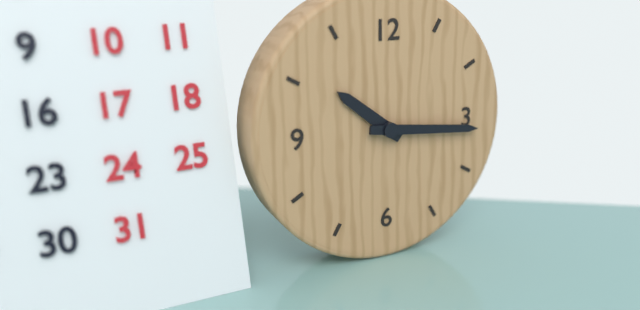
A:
h=10 m=16
